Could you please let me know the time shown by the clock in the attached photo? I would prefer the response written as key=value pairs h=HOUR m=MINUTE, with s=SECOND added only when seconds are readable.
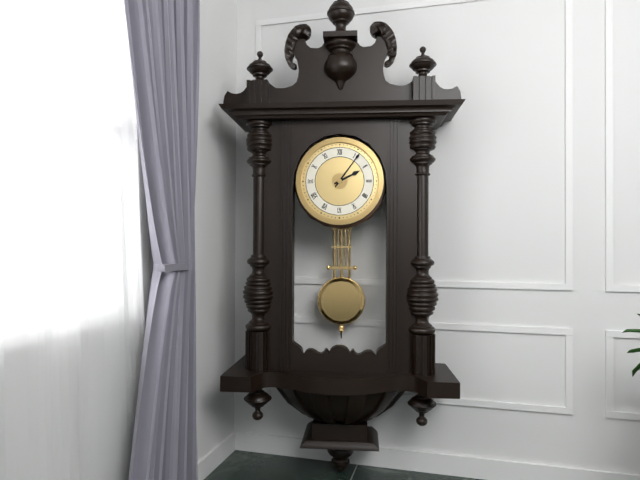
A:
h=2 m=6
